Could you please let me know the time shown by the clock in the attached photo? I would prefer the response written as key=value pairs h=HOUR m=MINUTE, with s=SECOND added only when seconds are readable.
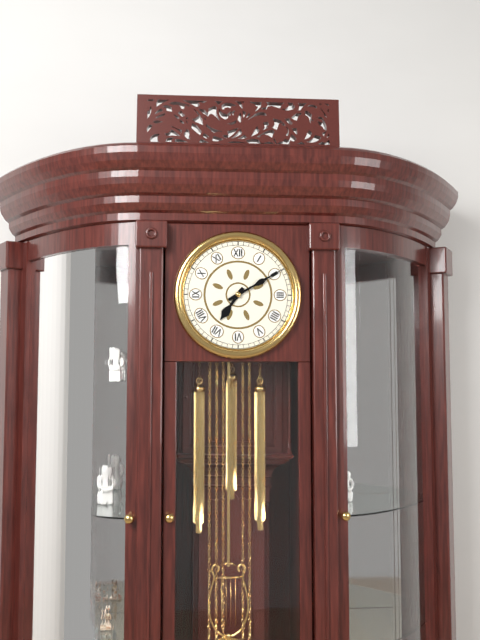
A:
h=7 m=10
